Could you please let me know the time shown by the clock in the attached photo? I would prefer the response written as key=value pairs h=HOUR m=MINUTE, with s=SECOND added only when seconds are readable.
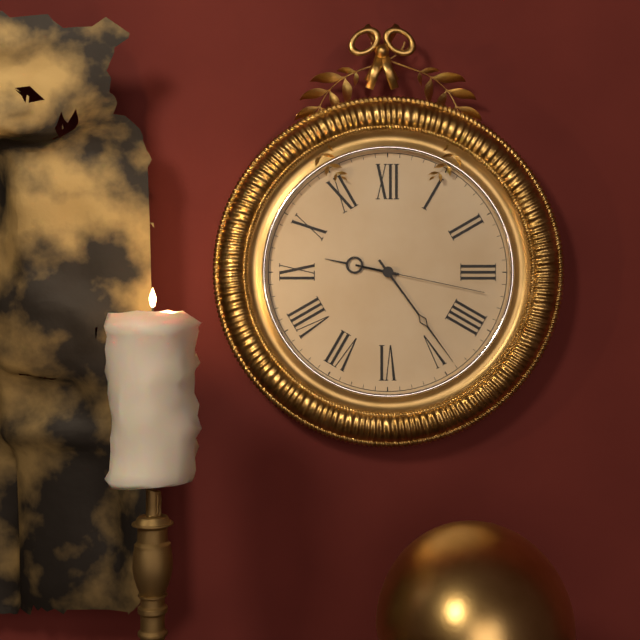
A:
h=9 m=24 s=17
